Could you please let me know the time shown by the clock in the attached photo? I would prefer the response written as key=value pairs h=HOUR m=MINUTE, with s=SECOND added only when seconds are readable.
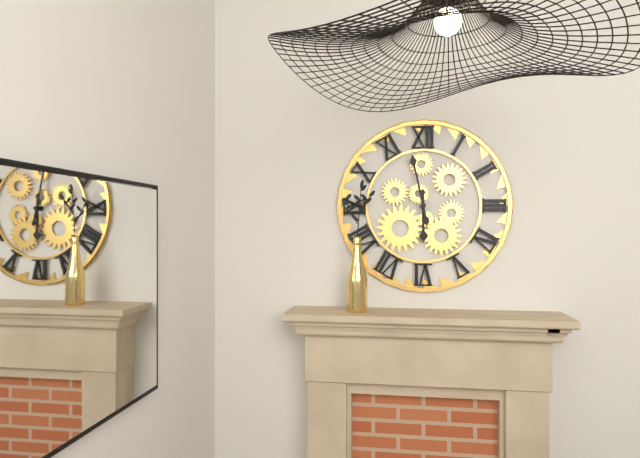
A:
h=5 m=58
